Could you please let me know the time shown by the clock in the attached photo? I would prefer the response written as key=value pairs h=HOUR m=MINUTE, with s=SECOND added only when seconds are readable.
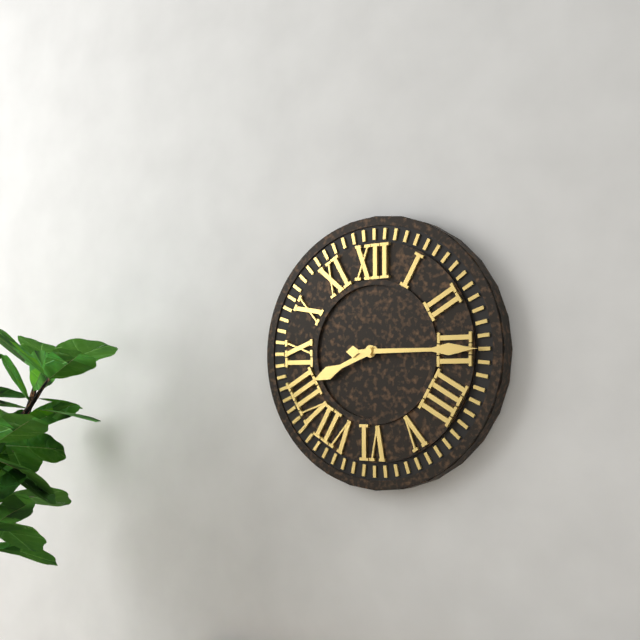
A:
h=8 m=15
